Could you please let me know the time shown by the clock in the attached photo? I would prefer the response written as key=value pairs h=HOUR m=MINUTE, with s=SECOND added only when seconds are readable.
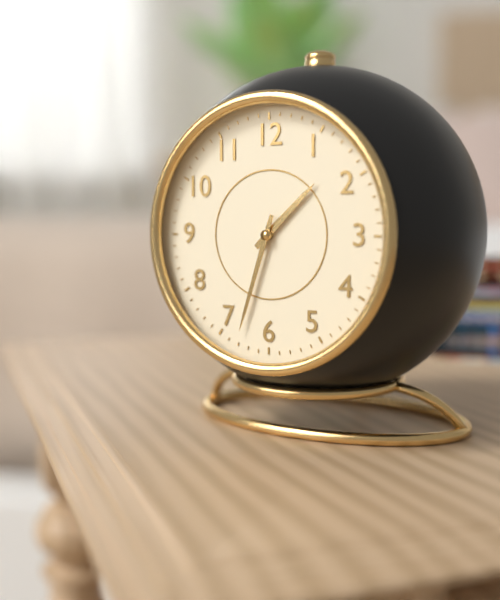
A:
h=1 m=33
